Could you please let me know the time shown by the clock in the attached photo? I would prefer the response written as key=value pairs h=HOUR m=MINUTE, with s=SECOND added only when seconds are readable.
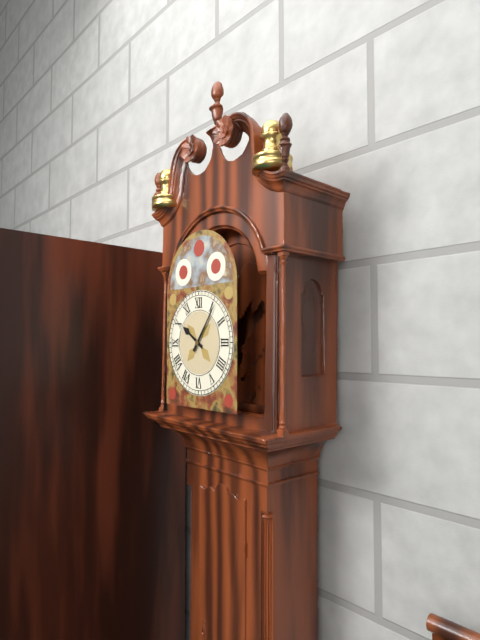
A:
h=10 m=6
